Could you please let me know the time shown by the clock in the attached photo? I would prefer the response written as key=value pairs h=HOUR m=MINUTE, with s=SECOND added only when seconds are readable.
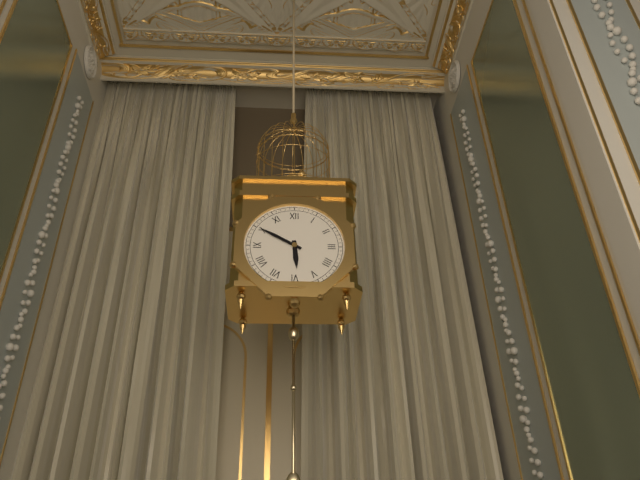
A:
h=5 m=50
